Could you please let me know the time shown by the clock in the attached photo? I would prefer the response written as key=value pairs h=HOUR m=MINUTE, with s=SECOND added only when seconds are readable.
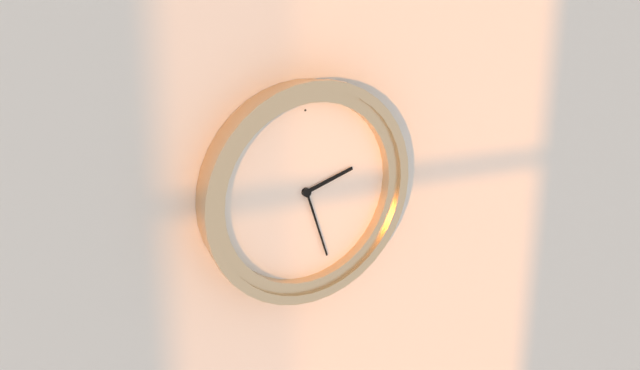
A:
h=2 m=27
